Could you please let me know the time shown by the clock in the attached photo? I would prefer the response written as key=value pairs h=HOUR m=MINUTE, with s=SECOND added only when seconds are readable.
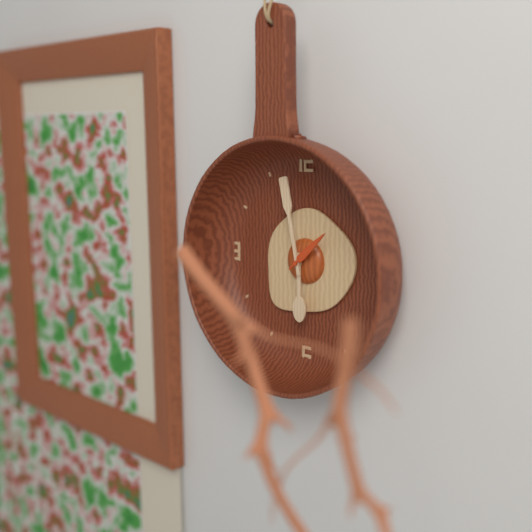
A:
h=5 m=58 s=8
